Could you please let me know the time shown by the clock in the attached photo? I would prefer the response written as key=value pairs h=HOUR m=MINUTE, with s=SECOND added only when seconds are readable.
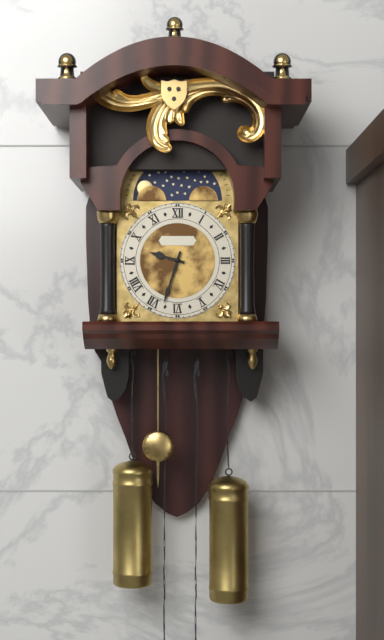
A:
h=9 m=33
